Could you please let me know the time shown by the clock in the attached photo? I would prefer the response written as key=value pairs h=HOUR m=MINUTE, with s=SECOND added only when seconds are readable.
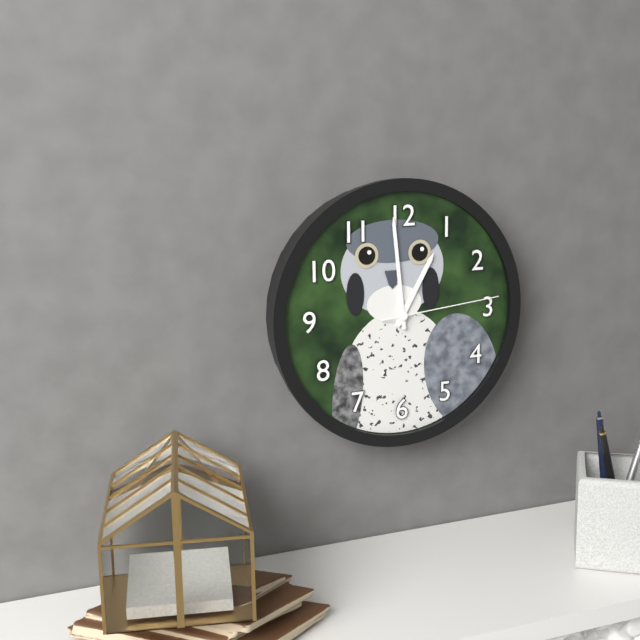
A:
h=12 m=59 s=14
